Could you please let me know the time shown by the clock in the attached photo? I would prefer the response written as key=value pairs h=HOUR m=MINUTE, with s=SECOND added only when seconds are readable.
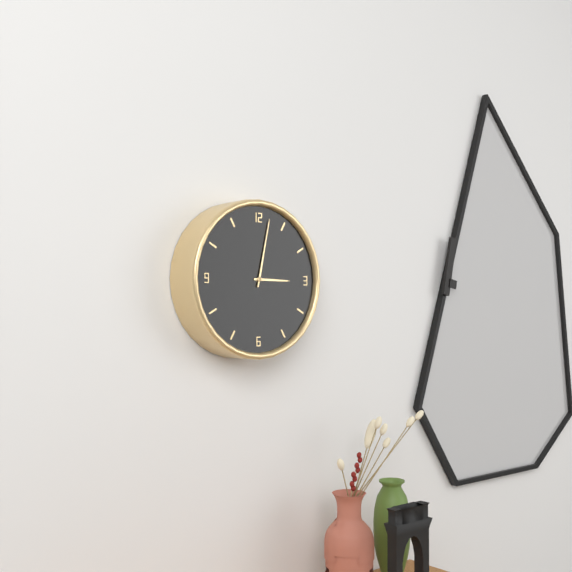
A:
h=3 m=2
